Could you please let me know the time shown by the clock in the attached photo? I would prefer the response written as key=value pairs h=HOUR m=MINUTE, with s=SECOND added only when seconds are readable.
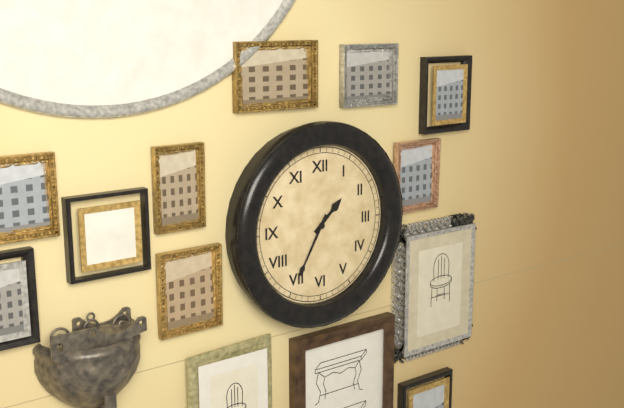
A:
h=1 m=35
